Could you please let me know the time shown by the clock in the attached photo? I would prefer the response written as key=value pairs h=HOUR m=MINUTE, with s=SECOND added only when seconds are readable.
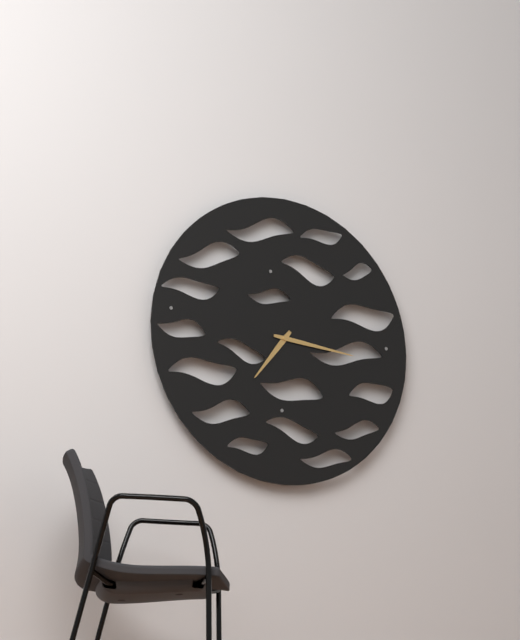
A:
h=7 m=16
